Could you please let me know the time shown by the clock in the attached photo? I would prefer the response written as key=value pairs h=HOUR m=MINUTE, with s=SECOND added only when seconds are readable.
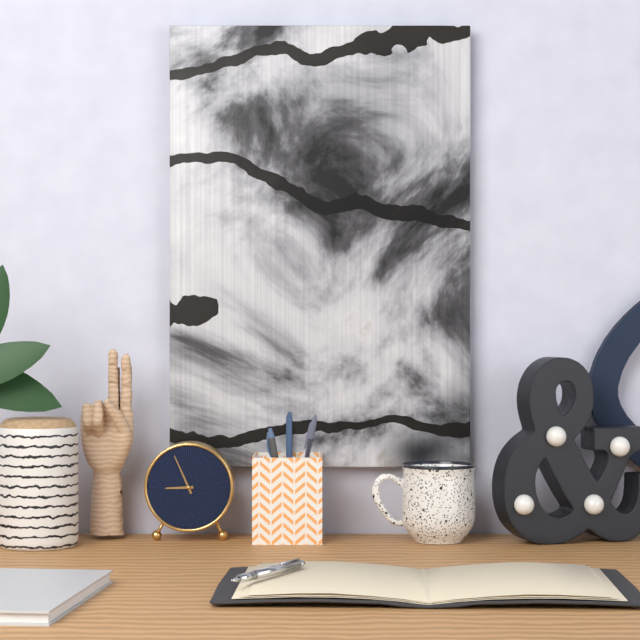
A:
h=8 m=56
